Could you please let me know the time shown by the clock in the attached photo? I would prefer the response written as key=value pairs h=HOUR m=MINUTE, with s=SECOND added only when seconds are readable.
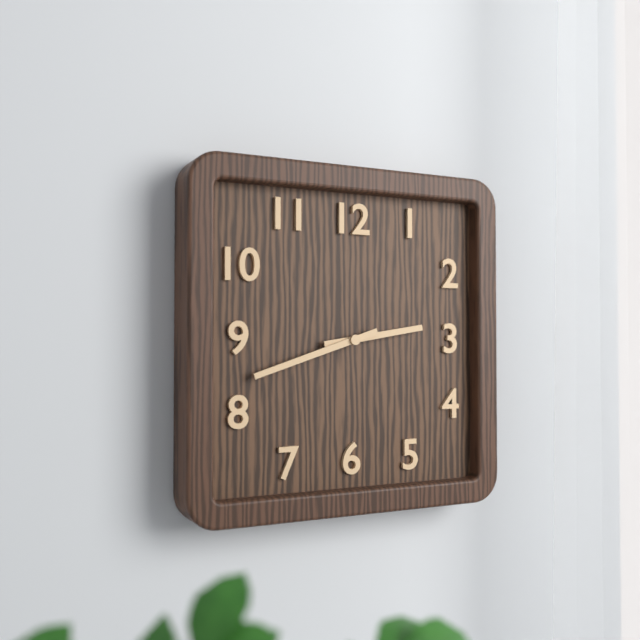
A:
h=2 m=42
